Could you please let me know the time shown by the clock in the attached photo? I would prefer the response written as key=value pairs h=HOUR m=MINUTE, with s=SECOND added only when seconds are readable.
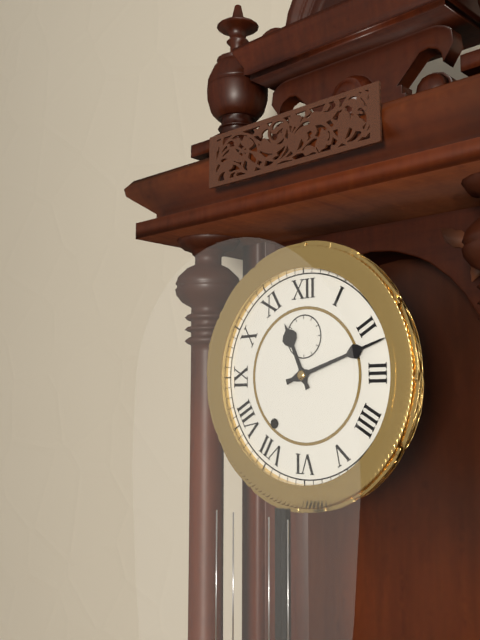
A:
h=11 m=12
